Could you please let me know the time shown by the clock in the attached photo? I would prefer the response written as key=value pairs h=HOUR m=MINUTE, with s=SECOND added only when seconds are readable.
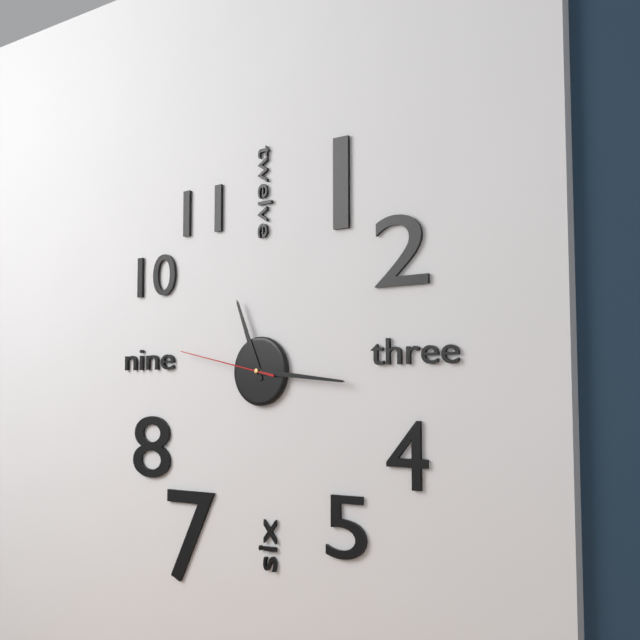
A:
h=11 m=16 s=47
